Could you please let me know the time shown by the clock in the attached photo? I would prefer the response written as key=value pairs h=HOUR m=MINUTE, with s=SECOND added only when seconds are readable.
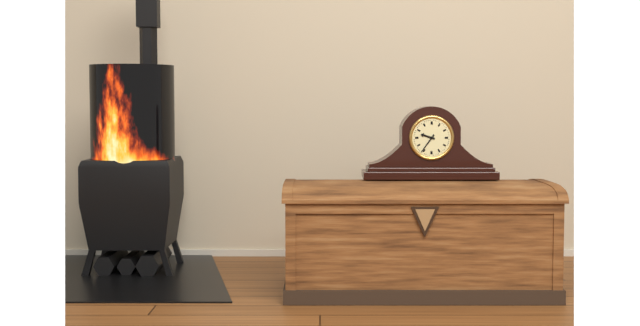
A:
h=9 m=36
